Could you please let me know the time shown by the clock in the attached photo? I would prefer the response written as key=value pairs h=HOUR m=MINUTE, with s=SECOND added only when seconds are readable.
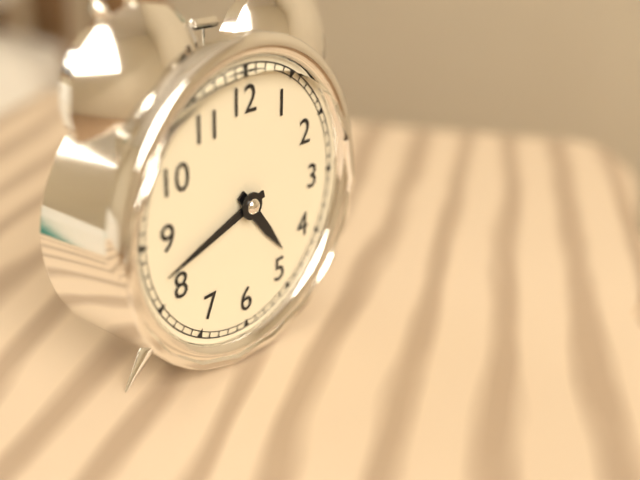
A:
h=4 m=42
